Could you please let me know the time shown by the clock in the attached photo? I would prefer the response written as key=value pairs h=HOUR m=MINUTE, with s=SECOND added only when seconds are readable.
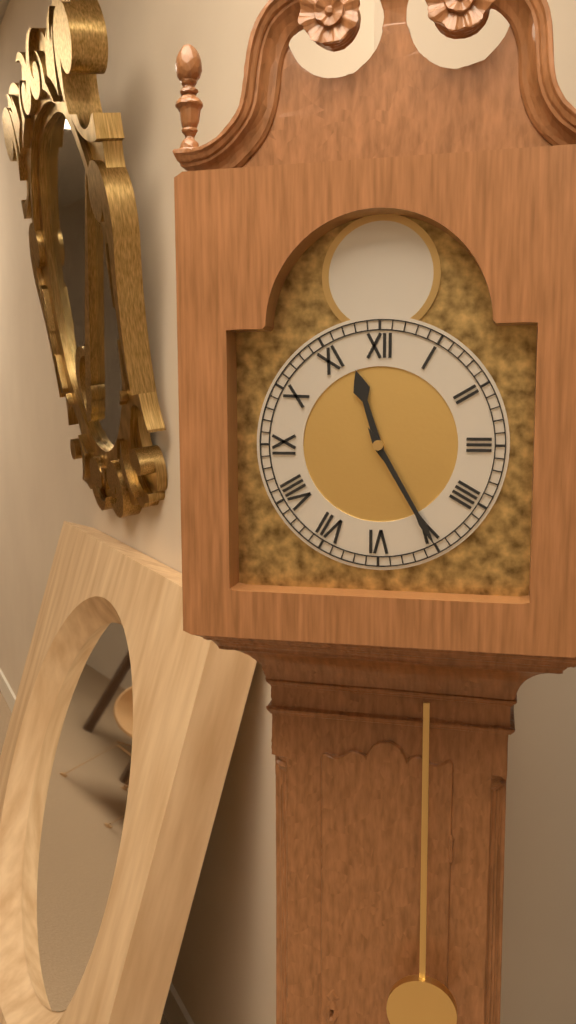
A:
h=11 m=25
